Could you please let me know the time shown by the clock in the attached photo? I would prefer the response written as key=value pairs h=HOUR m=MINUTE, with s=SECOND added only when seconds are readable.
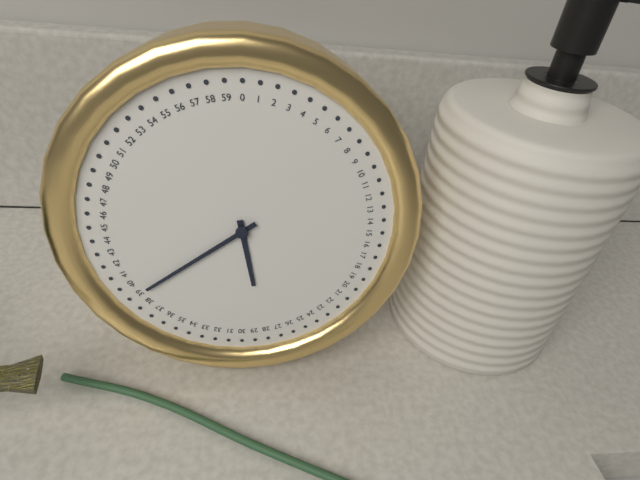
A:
h=5 m=39
